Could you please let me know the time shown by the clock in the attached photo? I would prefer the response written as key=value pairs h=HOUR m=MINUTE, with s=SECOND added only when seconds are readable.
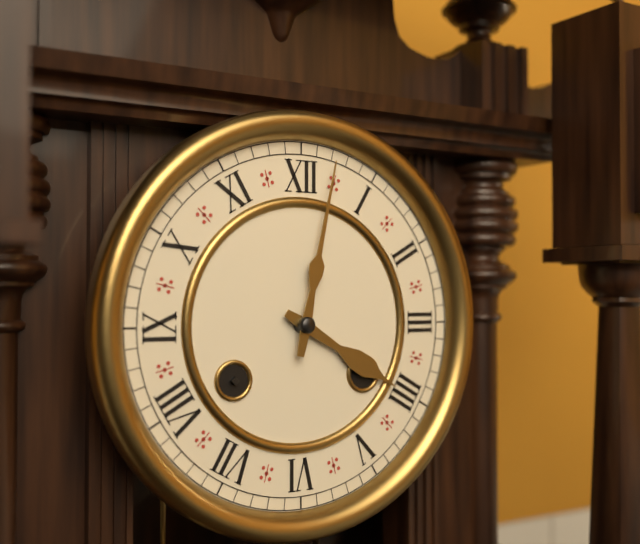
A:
h=4 m=2
